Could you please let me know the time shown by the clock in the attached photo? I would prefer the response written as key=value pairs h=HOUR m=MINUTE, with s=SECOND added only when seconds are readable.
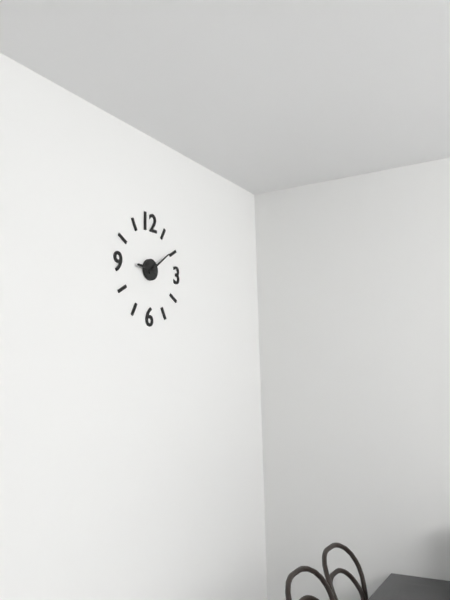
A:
h=9 m=9
